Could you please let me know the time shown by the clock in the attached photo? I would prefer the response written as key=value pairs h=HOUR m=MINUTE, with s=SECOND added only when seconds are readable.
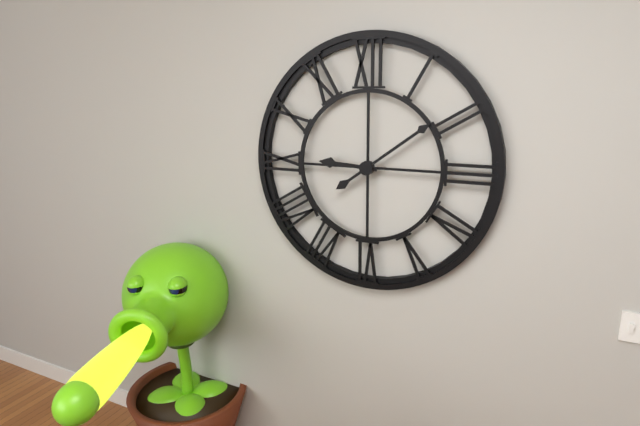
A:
h=9 m=9
